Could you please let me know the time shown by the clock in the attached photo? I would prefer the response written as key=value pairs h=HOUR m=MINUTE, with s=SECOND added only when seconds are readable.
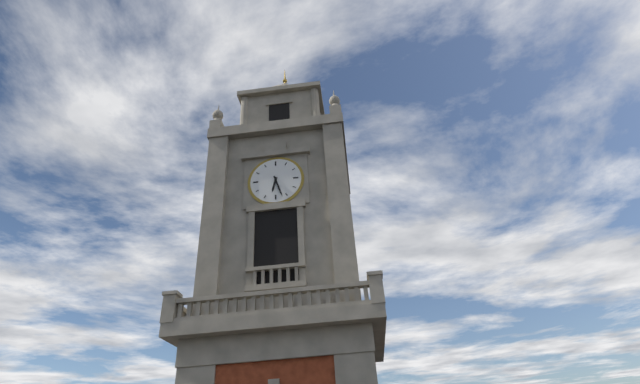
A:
h=6 m=27
